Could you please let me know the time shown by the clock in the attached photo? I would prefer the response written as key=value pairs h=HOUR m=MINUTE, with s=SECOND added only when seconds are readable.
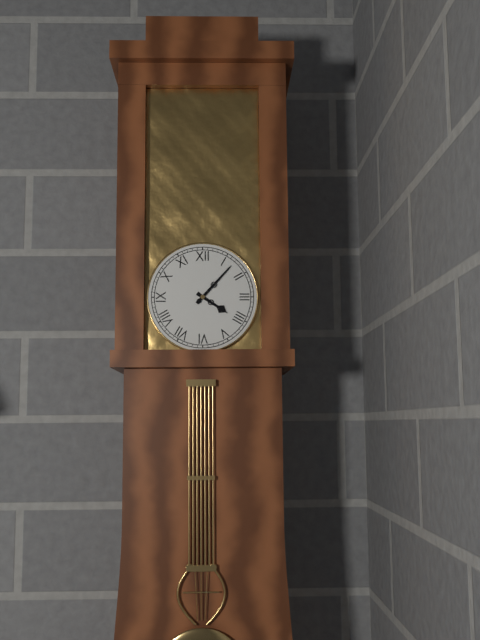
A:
h=4 m=7
